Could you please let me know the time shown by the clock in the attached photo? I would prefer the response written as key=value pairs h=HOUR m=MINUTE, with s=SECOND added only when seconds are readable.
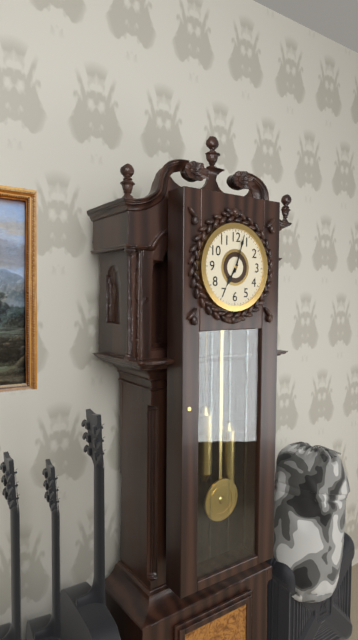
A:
h=7 m=3
